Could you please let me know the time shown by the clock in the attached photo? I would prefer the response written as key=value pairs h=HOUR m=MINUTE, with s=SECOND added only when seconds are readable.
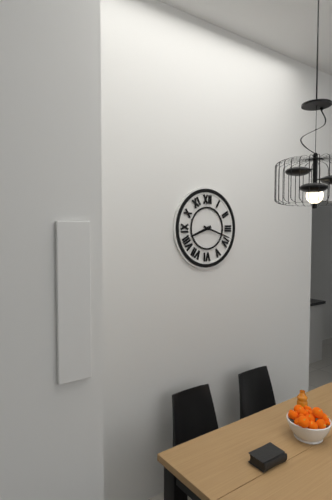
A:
h=8 m=18
